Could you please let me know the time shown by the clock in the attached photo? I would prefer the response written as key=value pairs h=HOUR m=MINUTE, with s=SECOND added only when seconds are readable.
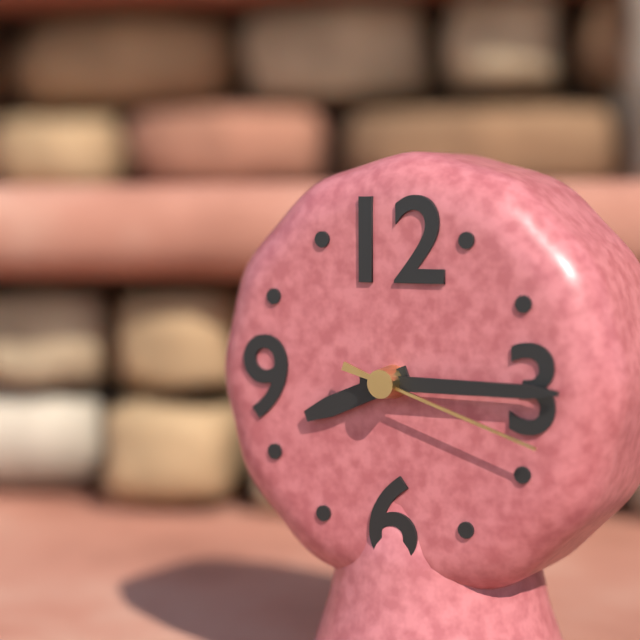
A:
h=8 m=15 s=18
